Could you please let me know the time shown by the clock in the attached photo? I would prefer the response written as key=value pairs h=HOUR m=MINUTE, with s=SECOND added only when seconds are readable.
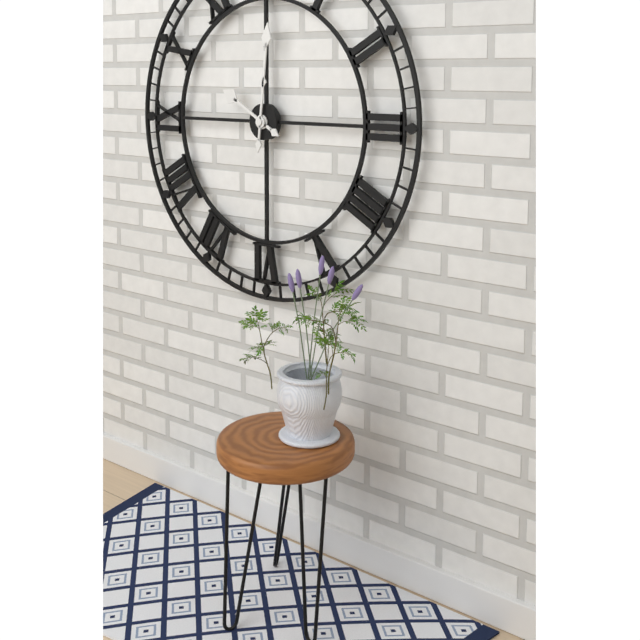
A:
h=10 m=1
